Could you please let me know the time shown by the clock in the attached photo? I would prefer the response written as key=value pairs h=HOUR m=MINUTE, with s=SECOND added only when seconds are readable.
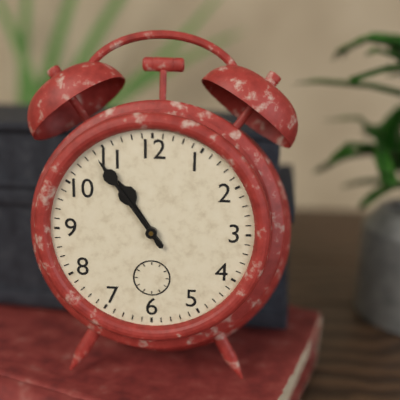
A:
h=10 m=54
